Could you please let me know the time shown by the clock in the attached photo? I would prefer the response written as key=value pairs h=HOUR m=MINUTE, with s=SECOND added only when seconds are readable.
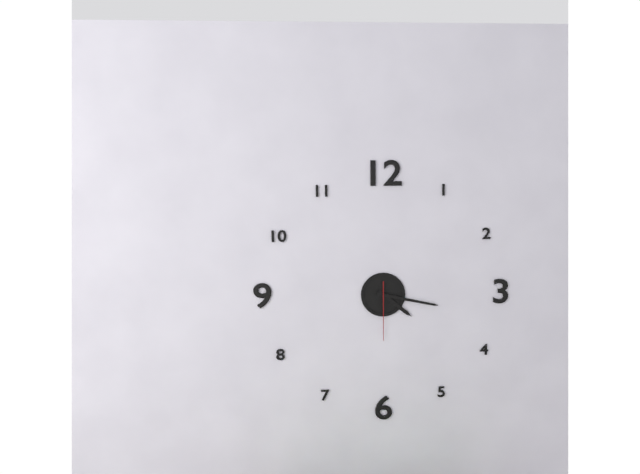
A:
h=4 m=17 s=30
